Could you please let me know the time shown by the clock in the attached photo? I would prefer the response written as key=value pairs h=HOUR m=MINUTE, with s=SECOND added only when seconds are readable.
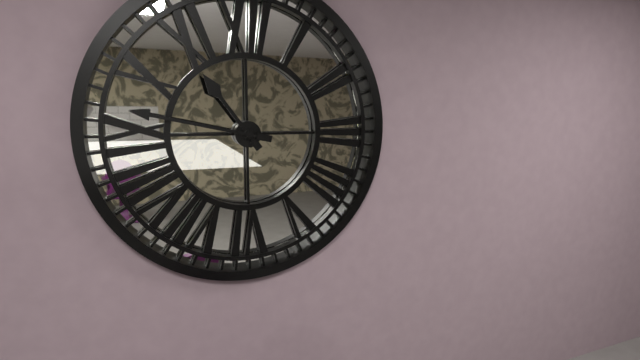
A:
h=10 m=47
